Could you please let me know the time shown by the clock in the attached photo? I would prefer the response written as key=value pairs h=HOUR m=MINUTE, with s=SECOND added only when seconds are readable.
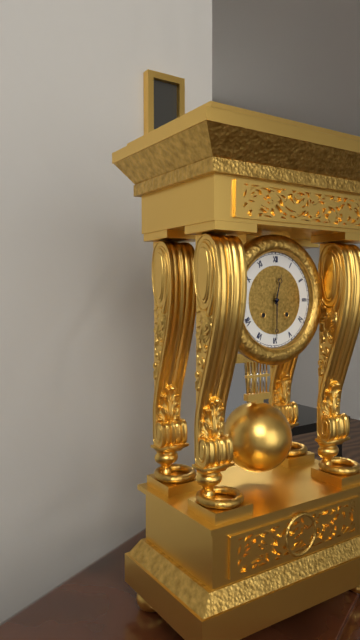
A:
h=12 m=30
